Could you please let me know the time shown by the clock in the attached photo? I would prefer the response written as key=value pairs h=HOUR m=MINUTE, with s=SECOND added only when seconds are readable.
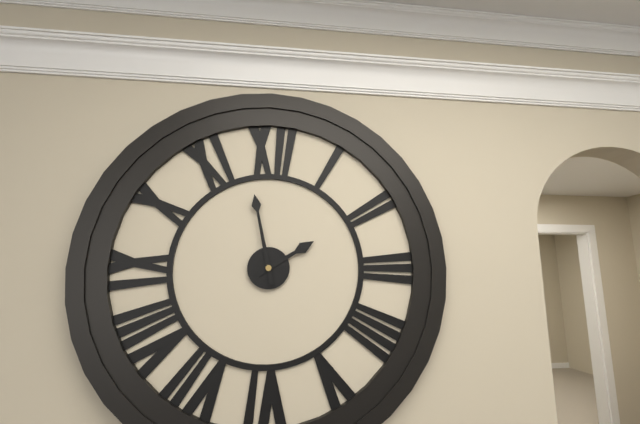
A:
h=1 m=58
